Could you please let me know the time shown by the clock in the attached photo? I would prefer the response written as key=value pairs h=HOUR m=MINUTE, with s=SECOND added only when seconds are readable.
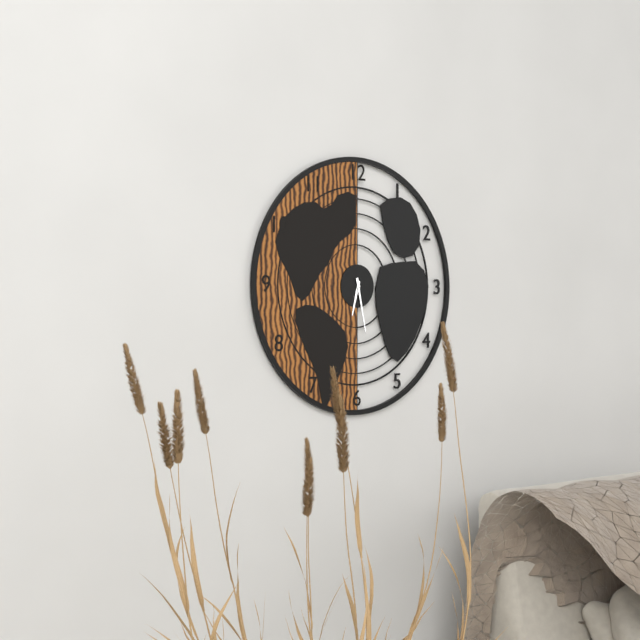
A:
h=6 m=28
